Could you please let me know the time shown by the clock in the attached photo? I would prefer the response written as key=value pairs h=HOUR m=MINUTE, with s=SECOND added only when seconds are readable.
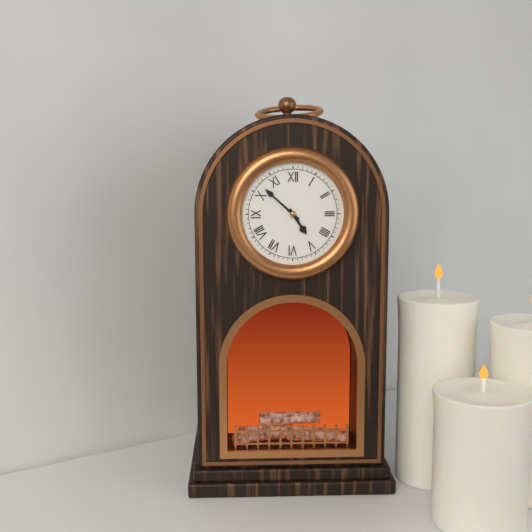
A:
h=4 m=52
